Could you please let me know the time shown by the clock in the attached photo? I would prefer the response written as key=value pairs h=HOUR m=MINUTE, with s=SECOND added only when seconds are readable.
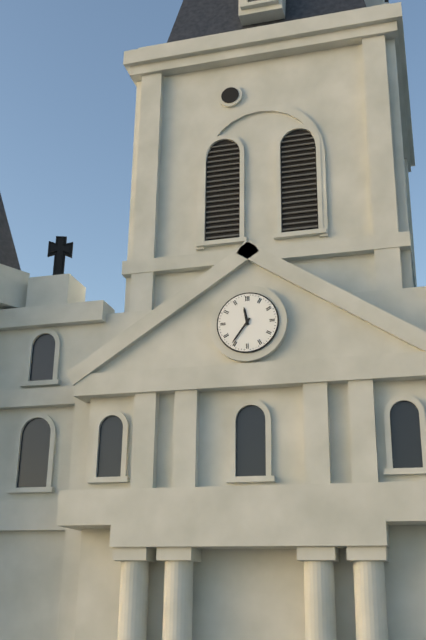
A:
h=11 m=36
